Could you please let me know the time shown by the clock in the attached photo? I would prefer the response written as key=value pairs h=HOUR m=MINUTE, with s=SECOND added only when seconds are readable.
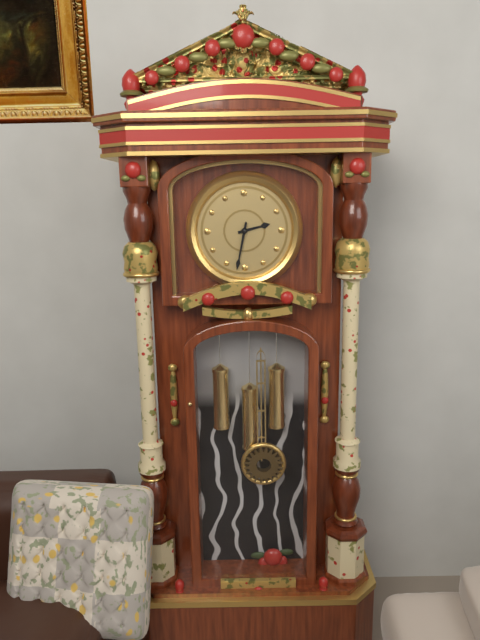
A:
h=2 m=32
